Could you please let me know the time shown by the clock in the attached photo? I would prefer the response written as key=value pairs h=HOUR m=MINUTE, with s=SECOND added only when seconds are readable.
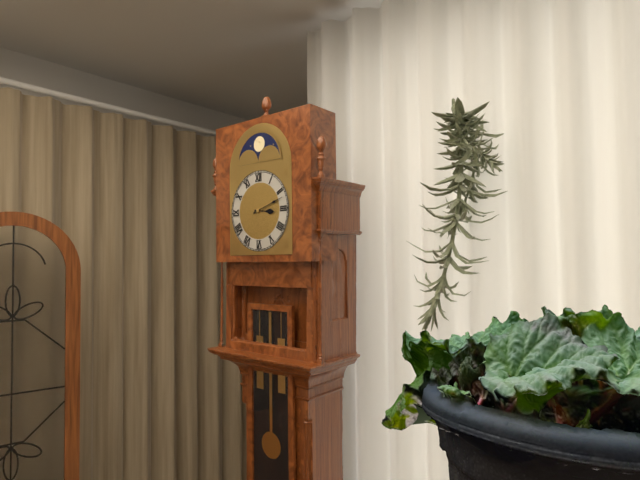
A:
h=3 m=12
